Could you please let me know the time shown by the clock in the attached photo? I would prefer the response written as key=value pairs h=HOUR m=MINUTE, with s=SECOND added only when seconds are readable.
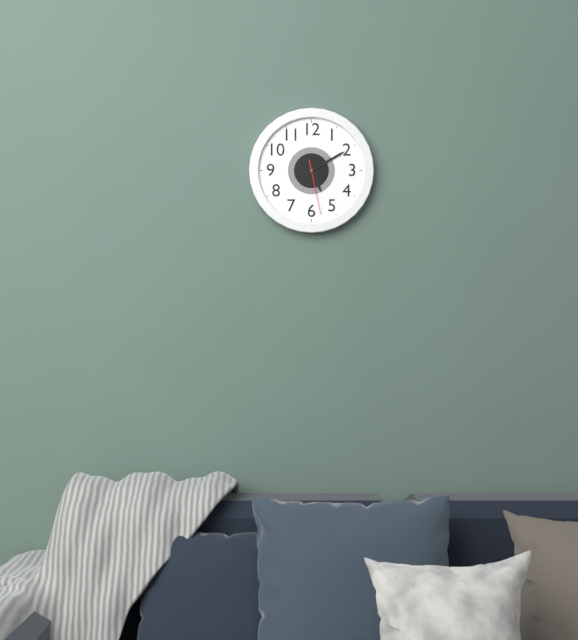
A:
h=5 m=10 s=28
